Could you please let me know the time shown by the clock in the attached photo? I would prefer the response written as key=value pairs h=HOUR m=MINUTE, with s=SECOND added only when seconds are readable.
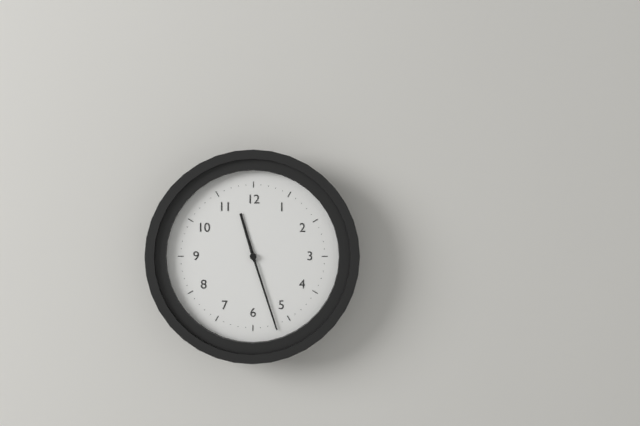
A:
h=11 m=27
